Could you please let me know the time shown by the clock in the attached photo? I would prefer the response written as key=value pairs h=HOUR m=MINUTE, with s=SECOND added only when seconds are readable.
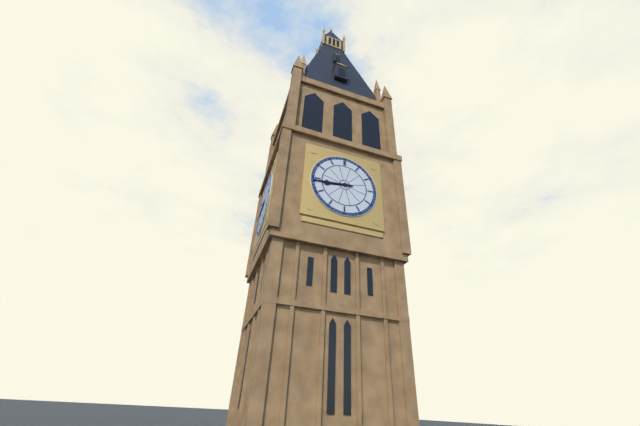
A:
h=8 m=44
